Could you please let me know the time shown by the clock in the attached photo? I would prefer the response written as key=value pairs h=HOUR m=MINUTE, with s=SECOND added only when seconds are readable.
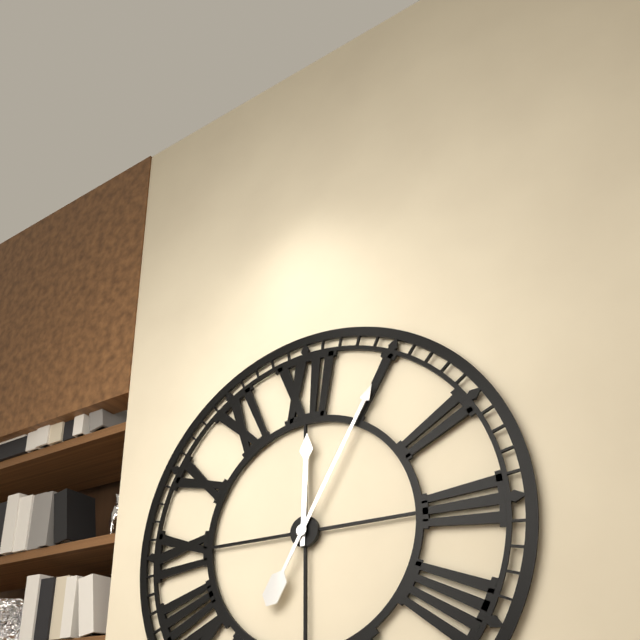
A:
h=12 m=5
